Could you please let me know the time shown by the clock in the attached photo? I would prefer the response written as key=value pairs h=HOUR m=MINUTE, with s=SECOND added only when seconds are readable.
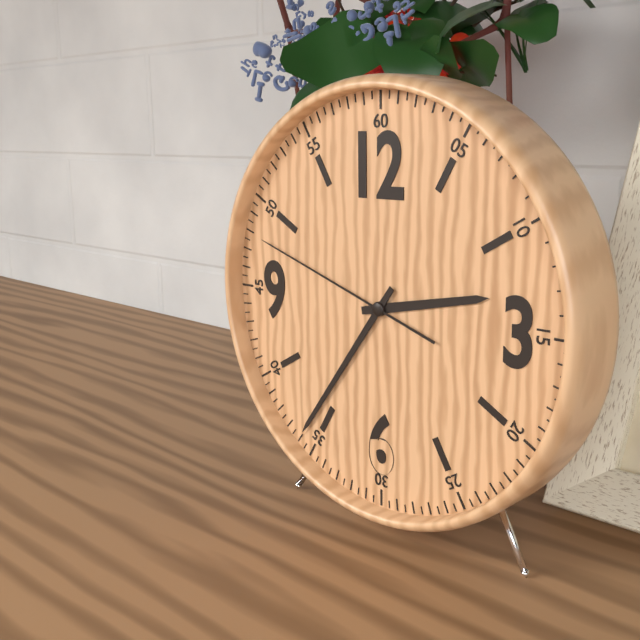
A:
h=2 m=36 s=48
